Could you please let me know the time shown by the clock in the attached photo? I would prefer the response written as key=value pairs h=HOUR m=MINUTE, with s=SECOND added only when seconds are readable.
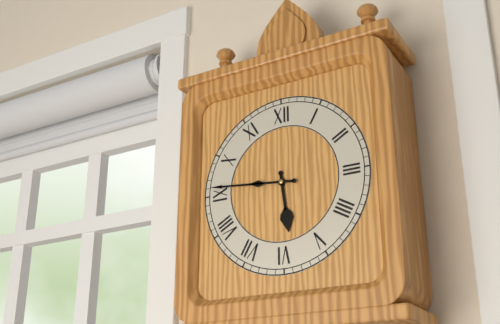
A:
h=5 m=46
